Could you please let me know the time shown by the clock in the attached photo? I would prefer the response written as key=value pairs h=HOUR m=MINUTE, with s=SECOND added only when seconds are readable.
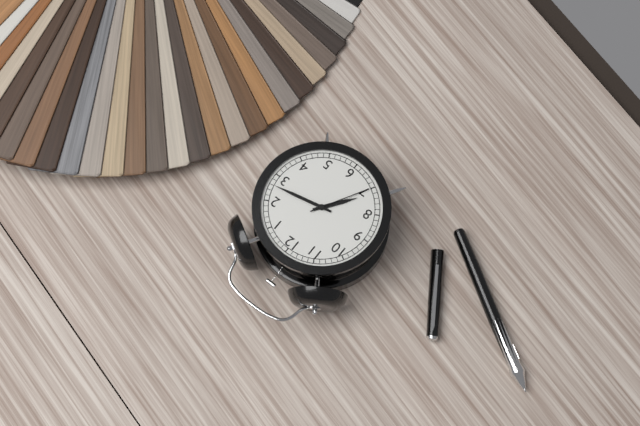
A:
h=7 m=13 s=35
